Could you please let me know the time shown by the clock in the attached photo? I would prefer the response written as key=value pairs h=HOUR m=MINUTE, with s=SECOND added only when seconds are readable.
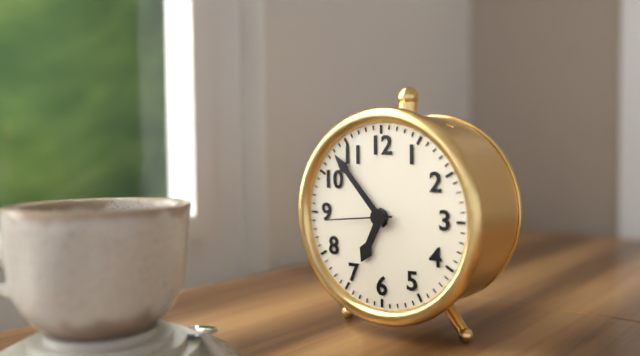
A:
h=6 m=53 s=44
